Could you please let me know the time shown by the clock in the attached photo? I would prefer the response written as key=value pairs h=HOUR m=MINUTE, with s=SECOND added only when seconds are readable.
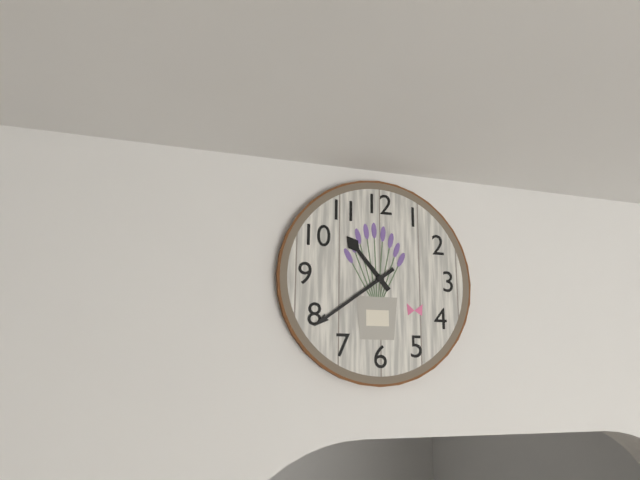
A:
h=10 m=39
